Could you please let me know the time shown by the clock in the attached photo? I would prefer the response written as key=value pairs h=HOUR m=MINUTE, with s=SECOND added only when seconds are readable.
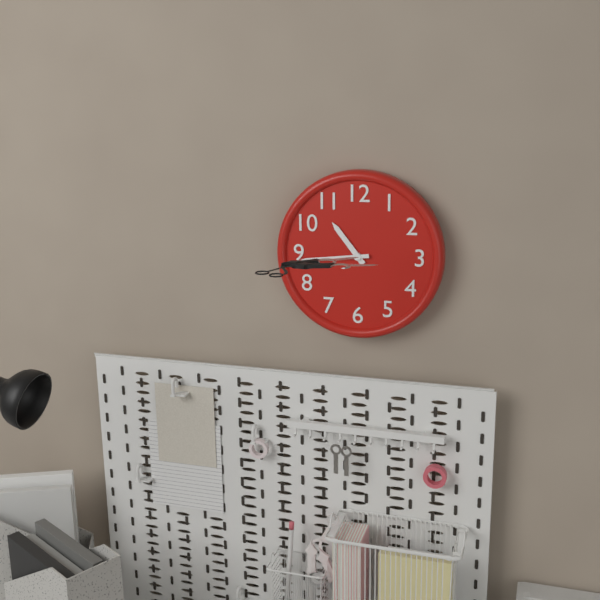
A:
h=10 m=44
